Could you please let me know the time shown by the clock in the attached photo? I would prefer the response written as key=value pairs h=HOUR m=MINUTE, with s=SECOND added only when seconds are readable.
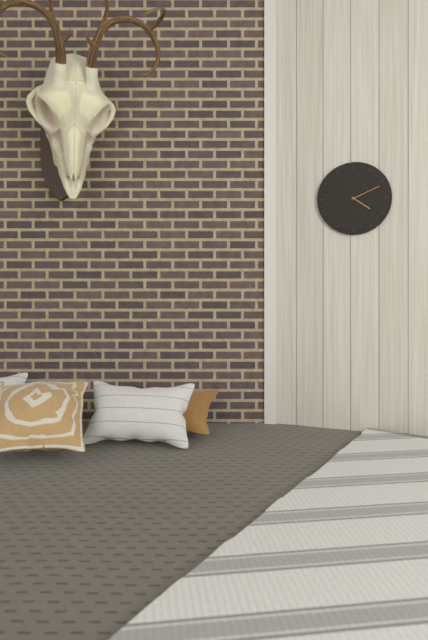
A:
h=4 m=11
